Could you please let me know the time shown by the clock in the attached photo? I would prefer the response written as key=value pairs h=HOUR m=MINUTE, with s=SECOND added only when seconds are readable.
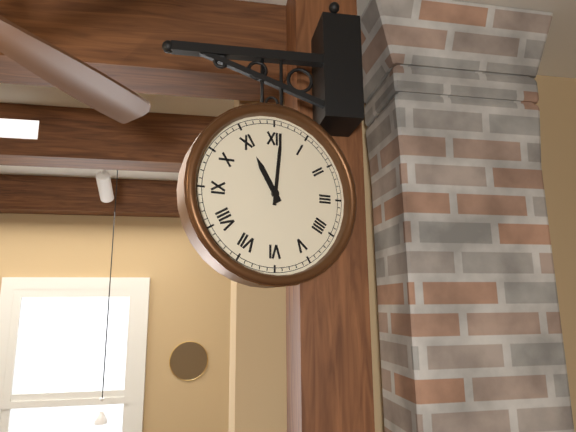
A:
h=11 m=1
